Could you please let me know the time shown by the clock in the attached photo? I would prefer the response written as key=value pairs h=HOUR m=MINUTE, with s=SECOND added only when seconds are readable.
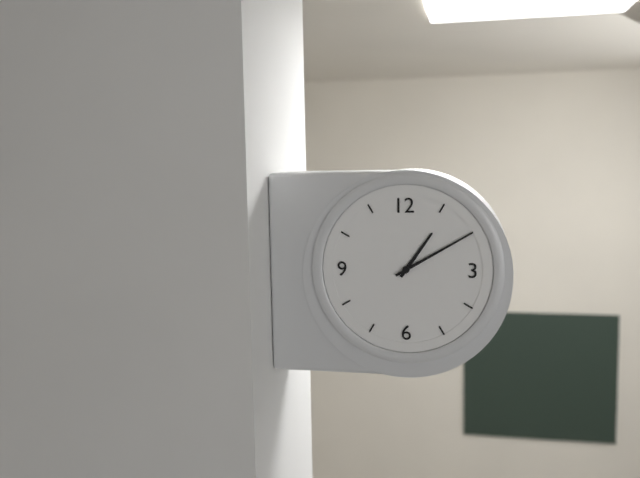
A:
h=1 m=10
